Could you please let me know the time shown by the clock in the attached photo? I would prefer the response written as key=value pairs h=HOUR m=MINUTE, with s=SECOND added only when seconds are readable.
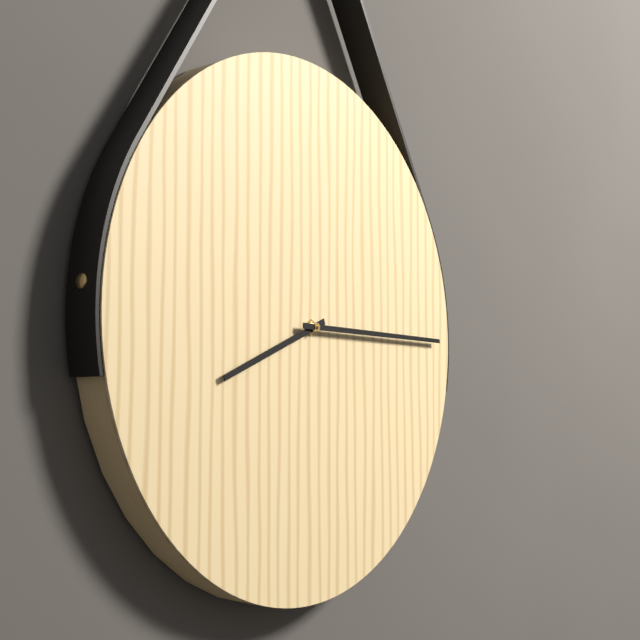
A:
h=8 m=15
